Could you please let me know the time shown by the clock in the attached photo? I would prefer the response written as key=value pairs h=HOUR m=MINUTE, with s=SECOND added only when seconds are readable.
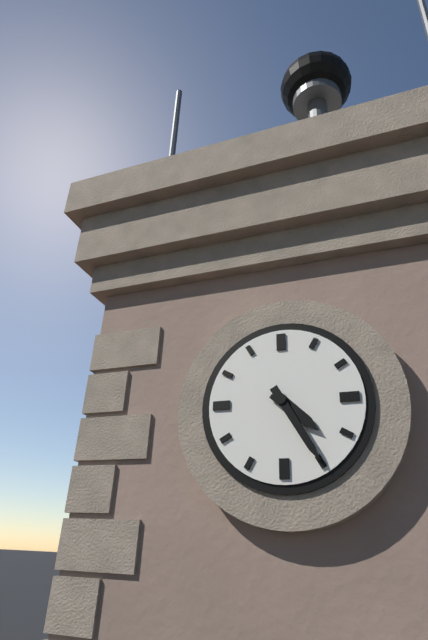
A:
h=4 m=25
